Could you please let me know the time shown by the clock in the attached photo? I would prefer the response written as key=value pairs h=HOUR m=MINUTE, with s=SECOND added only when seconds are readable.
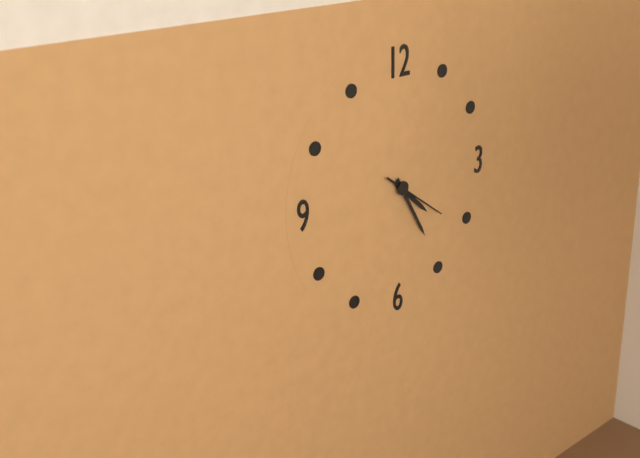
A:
h=4 m=25 s=21
